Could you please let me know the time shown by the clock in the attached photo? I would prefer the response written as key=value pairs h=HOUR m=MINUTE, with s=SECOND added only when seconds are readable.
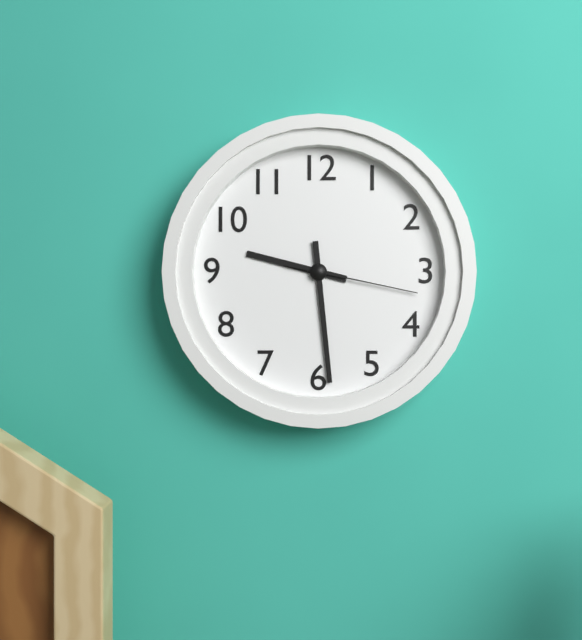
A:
h=9 m=29 s=17
